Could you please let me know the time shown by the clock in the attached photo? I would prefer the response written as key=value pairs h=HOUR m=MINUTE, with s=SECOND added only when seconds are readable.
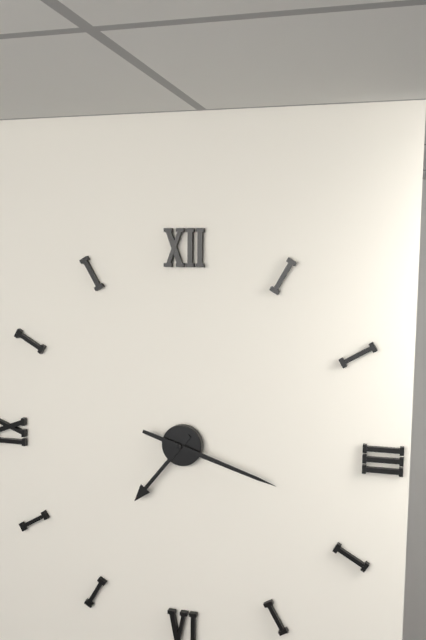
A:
h=7 m=18
